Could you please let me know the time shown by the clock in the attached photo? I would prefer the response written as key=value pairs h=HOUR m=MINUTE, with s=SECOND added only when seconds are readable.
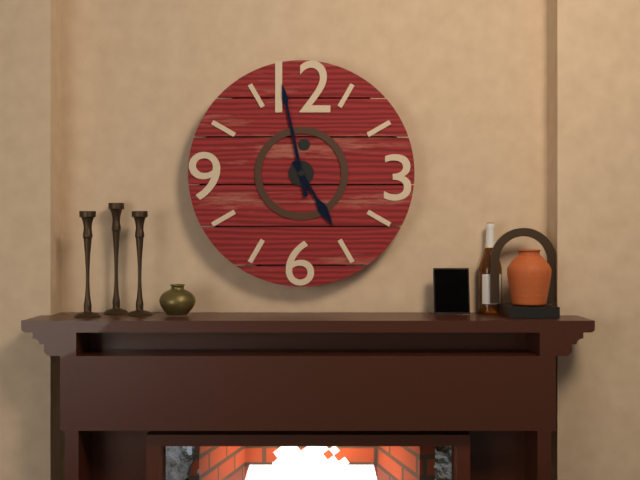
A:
h=4 m=58
